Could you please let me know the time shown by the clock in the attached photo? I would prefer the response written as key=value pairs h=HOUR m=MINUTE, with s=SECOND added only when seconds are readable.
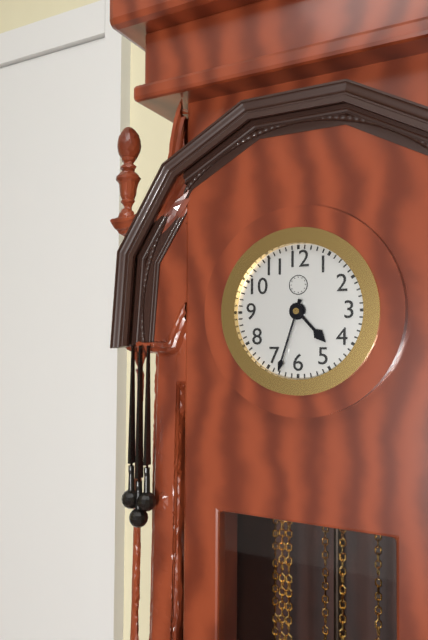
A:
h=4 m=33
